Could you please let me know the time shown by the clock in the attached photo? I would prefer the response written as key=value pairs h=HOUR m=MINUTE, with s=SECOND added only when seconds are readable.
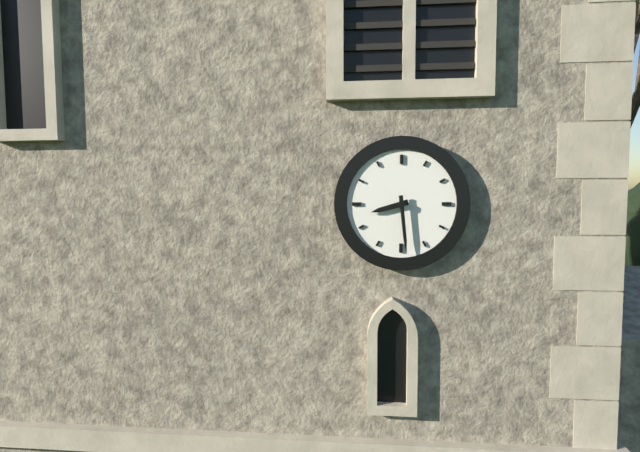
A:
h=8 m=29
